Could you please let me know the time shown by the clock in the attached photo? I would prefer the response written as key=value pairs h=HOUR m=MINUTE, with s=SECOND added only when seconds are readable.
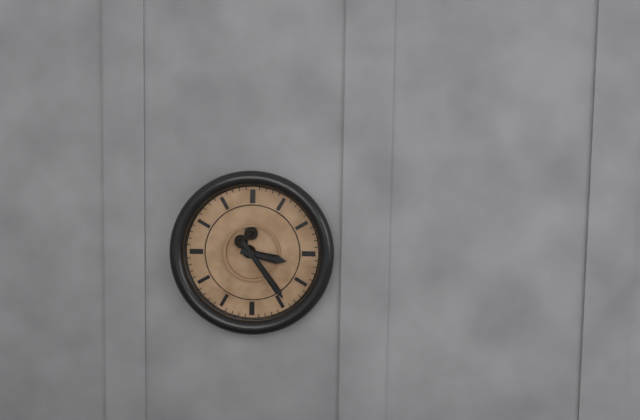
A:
h=3 m=24
